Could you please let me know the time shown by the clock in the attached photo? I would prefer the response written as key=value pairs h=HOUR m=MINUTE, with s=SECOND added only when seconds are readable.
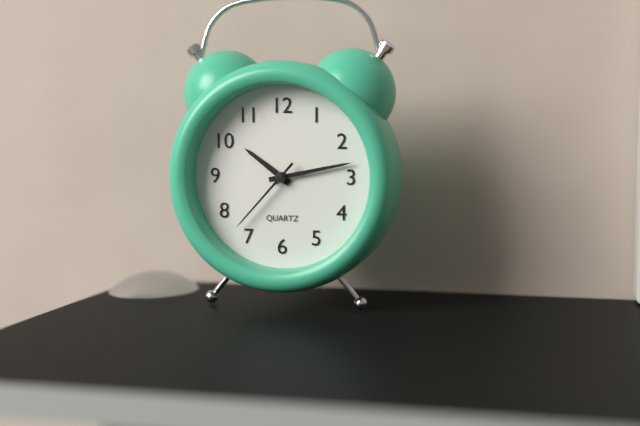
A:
h=10 m=13 s=37
